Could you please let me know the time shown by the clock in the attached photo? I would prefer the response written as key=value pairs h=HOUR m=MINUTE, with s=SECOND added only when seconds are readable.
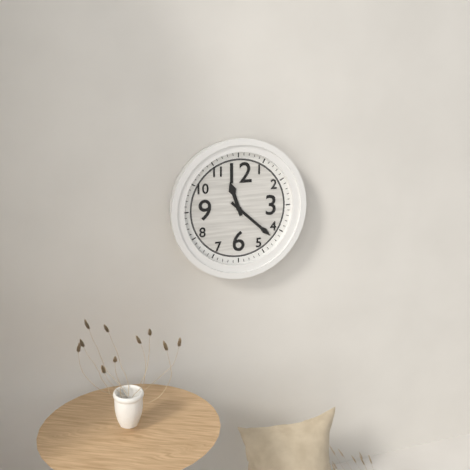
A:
h=11 m=22
